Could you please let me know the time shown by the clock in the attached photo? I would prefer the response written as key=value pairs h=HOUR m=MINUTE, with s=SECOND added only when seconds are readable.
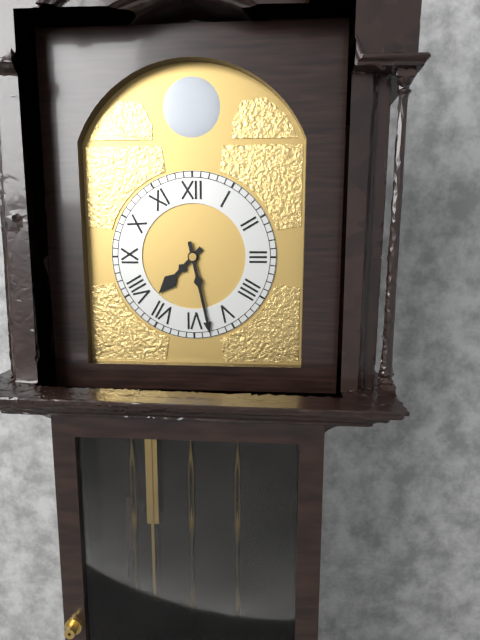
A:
h=7 m=28
